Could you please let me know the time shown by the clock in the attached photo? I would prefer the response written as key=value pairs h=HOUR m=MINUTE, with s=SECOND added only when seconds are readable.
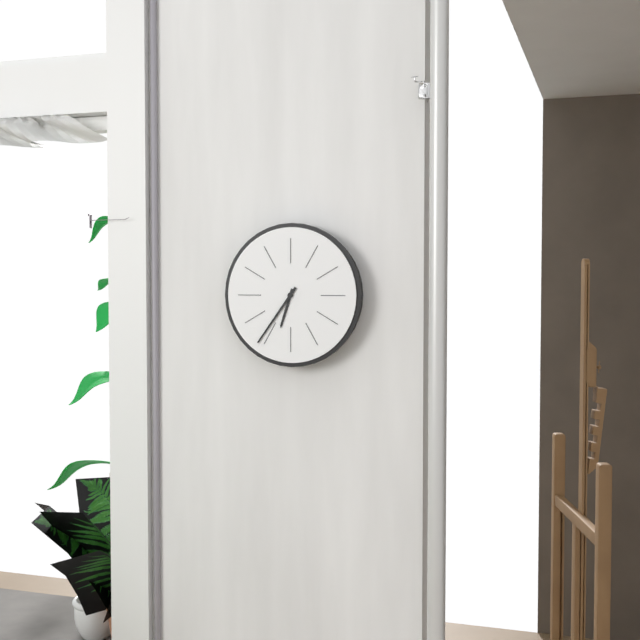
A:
h=6 m=36
